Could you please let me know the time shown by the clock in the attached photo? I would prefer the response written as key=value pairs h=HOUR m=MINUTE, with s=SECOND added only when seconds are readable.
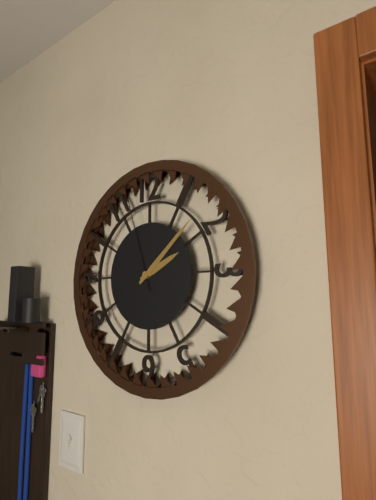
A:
h=2 m=8 s=57
